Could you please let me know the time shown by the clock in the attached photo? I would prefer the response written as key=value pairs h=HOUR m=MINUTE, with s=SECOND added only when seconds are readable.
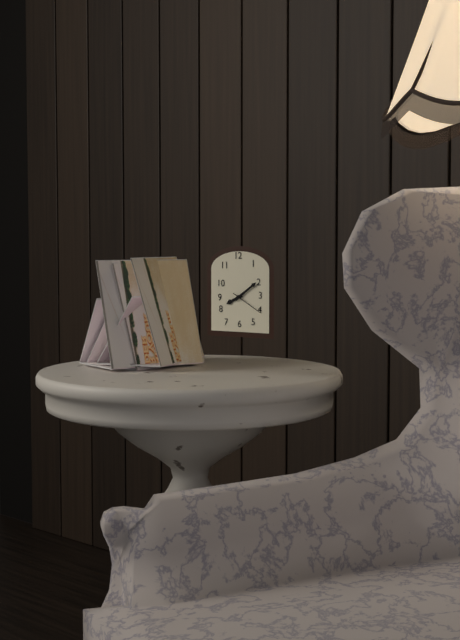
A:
h=8 m=9
